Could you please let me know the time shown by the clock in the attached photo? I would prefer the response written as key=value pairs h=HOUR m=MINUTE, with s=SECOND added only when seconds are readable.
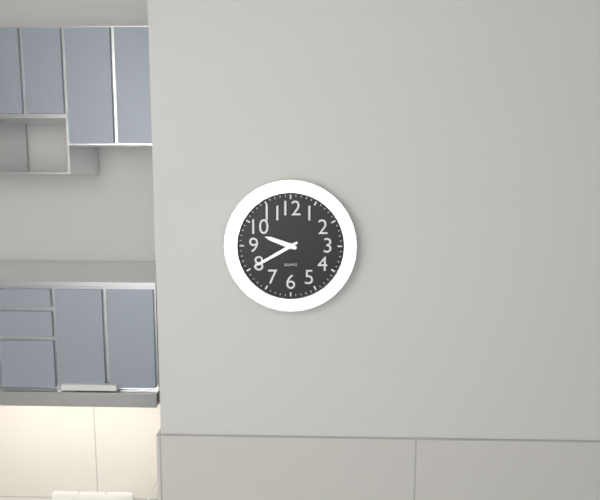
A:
h=9 m=40
